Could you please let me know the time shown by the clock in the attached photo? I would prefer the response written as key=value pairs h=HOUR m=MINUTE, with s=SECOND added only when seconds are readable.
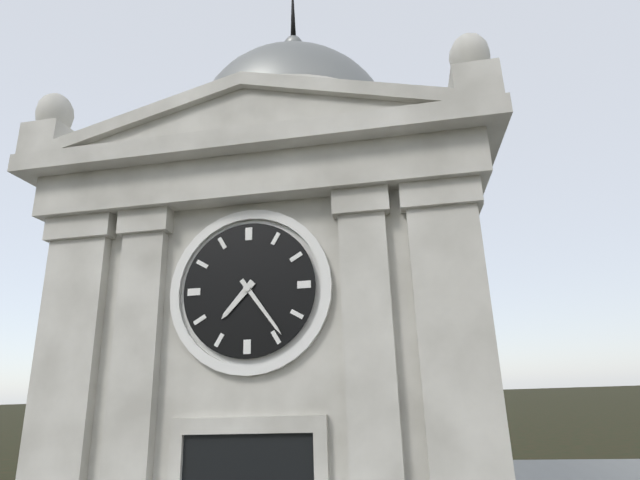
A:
h=7 m=24
